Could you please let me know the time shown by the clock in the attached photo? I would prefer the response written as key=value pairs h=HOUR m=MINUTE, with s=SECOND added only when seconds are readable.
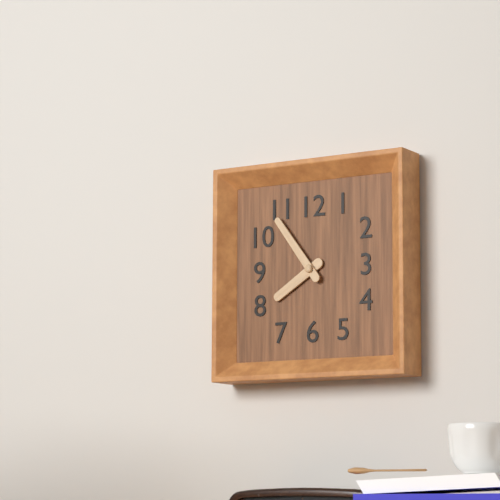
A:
h=7 m=54
